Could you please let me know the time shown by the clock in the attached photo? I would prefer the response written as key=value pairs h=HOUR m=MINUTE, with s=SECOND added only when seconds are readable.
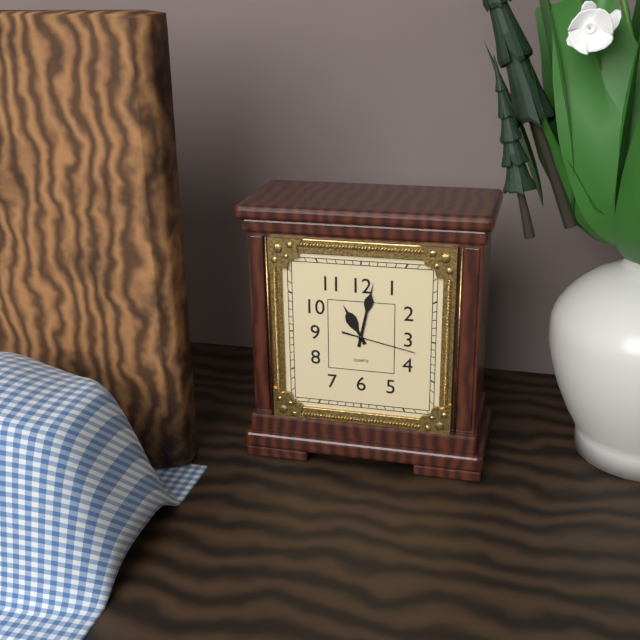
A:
h=11 m=2 s=17
